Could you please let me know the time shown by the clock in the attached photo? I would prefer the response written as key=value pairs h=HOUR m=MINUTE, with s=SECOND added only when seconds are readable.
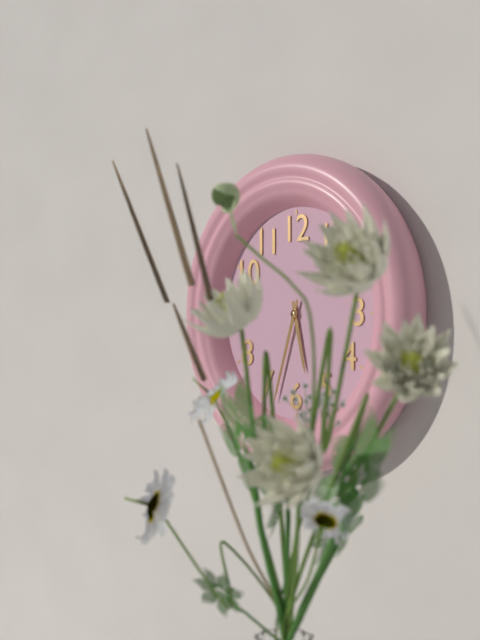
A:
h=5 m=33
